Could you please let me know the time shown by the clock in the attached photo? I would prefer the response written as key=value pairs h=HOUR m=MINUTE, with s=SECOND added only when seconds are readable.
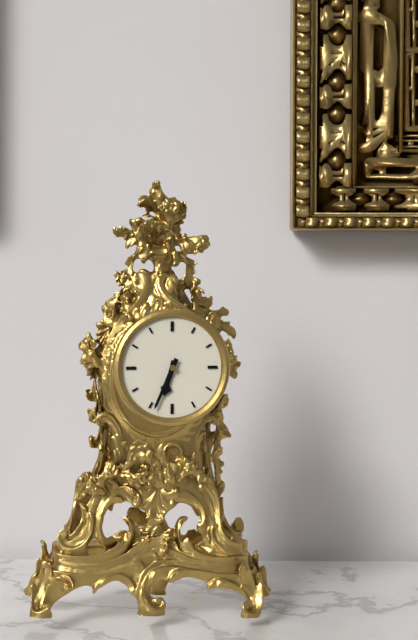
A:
h=6 m=34
